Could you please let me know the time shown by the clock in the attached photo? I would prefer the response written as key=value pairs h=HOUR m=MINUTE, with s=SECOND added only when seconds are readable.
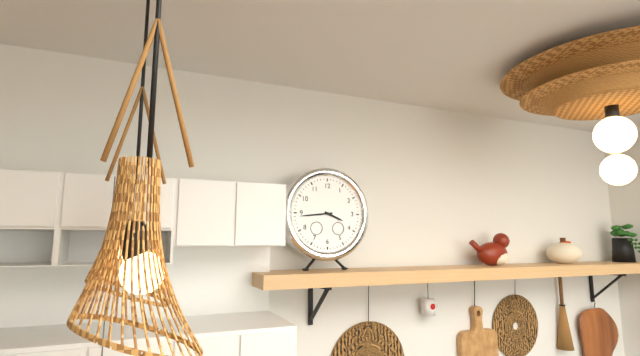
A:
h=3 m=44
